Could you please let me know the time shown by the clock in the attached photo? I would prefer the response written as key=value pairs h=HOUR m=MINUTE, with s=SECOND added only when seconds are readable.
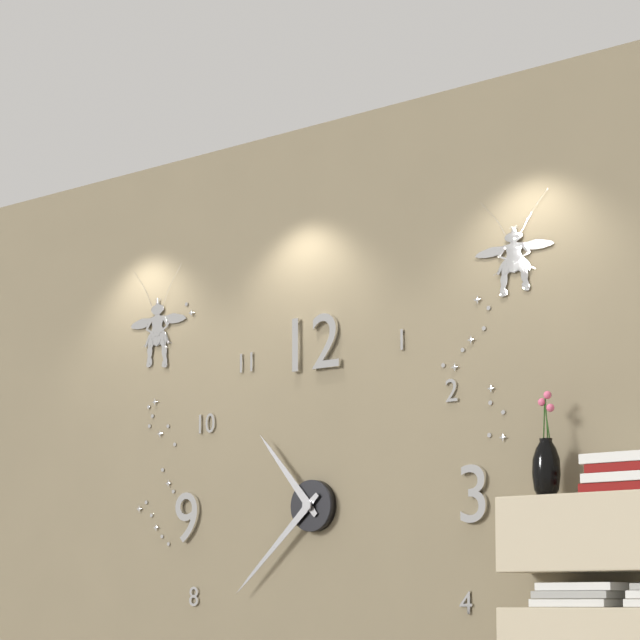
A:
h=10 m=38
